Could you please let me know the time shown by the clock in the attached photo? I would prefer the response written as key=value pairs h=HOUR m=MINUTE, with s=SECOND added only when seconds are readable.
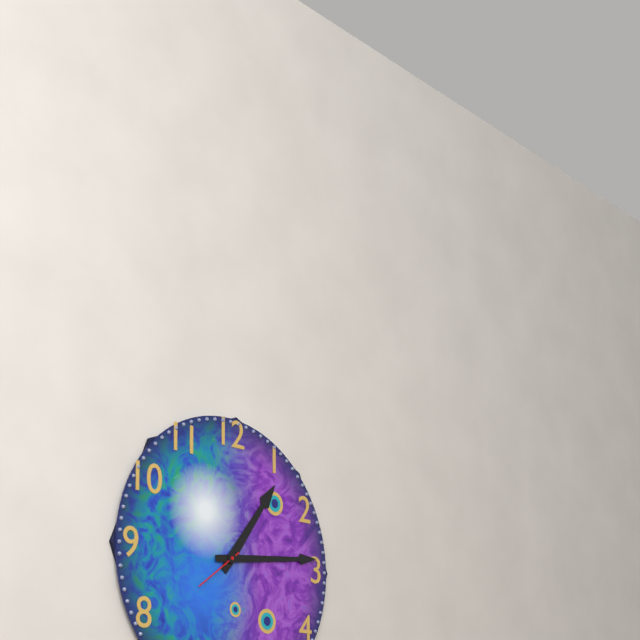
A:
h=1 m=14 s=39
